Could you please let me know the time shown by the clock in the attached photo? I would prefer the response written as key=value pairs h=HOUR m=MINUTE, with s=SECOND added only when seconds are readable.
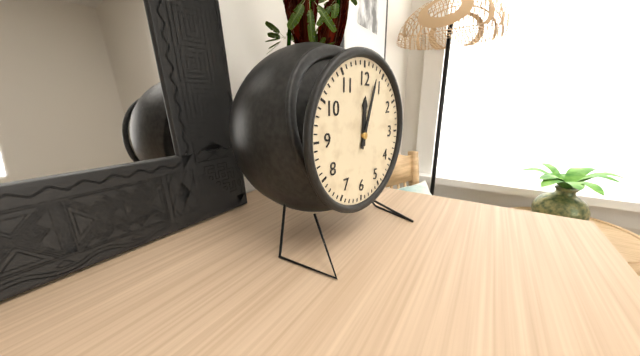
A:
h=12 m=3
